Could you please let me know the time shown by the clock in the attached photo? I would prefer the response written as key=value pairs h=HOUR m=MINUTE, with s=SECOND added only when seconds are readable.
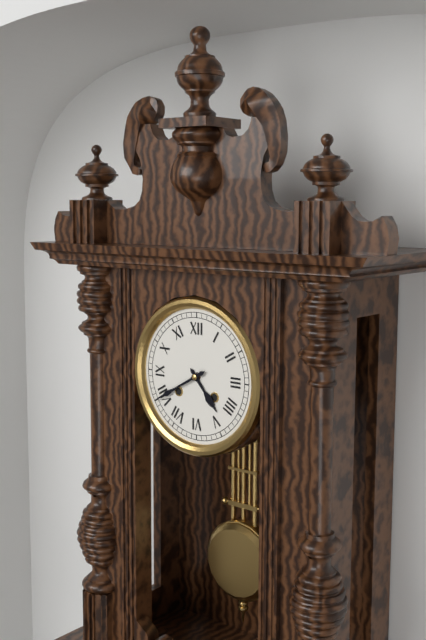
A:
h=4 m=40
